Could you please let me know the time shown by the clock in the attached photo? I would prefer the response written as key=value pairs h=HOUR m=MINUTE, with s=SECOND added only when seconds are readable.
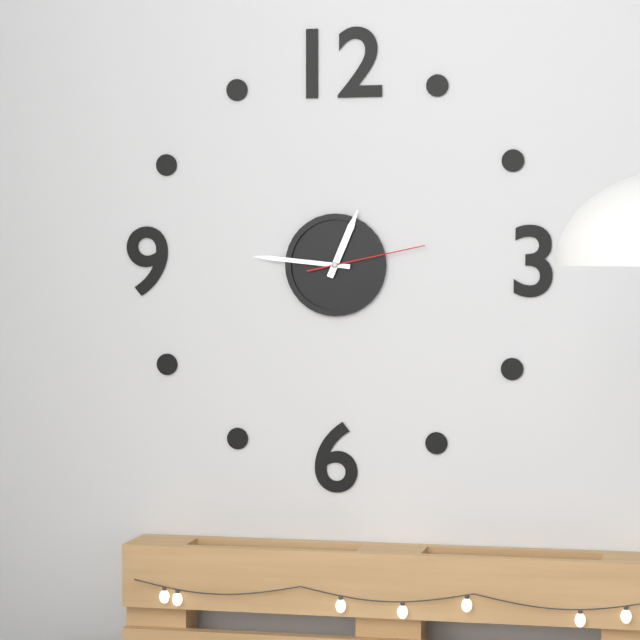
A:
h=12 m=46 s=13
